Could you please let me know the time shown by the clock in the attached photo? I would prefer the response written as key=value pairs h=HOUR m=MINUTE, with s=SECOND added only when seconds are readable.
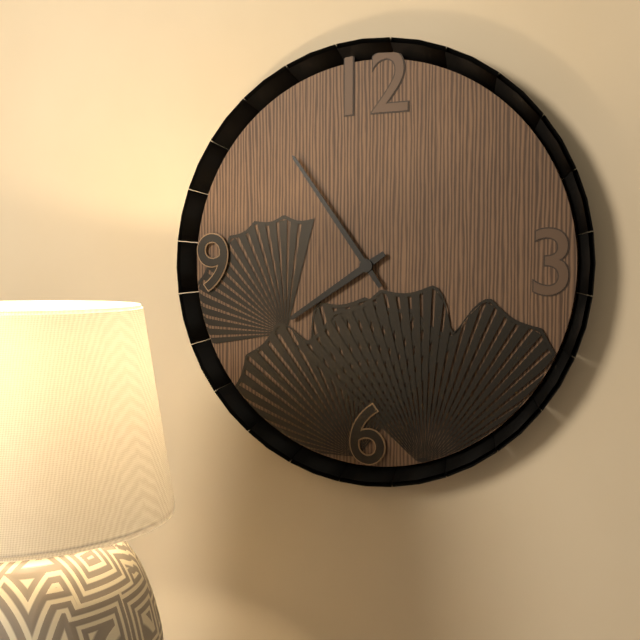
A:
h=7 m=54
